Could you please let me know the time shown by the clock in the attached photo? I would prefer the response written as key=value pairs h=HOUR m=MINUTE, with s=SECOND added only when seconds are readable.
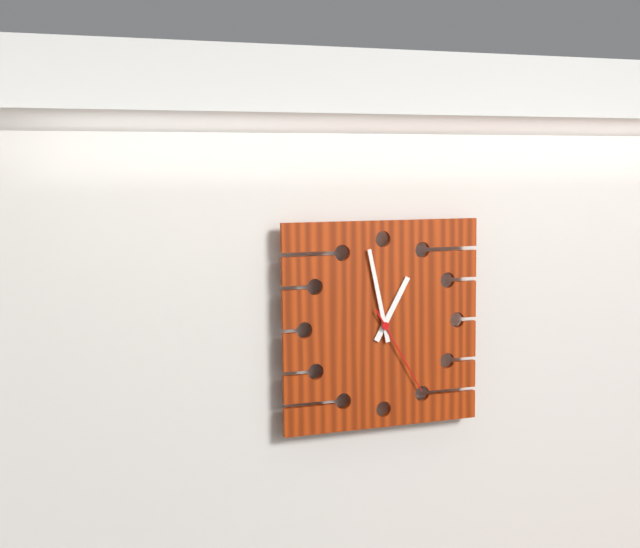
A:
h=12 m=58 s=25
